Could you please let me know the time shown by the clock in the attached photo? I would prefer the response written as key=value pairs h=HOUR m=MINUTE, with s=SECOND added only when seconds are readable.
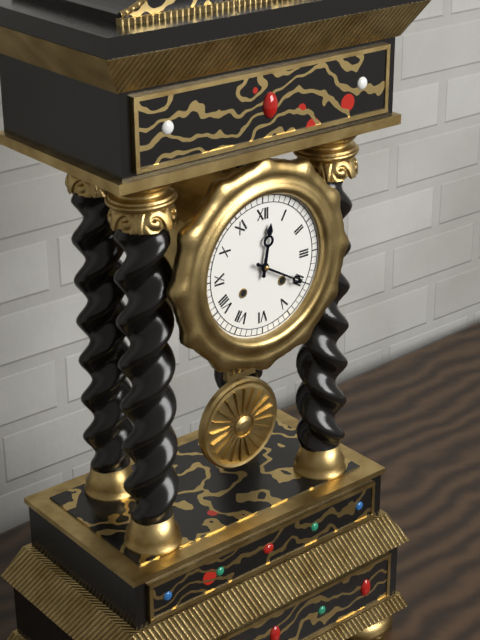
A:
h=12 m=20
